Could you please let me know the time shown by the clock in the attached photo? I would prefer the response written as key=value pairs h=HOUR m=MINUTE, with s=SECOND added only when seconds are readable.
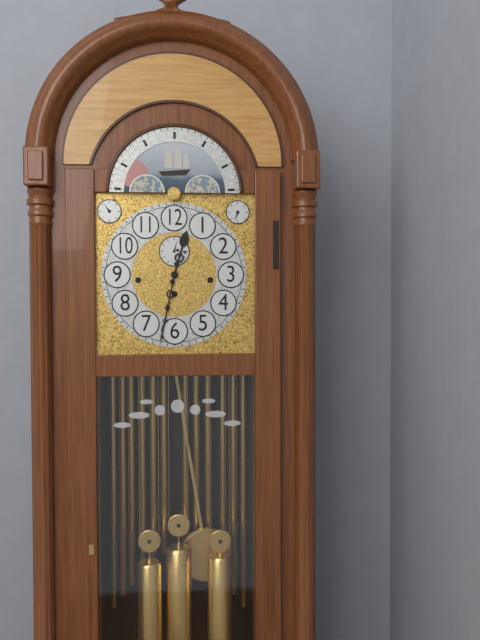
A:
h=12 m=32
